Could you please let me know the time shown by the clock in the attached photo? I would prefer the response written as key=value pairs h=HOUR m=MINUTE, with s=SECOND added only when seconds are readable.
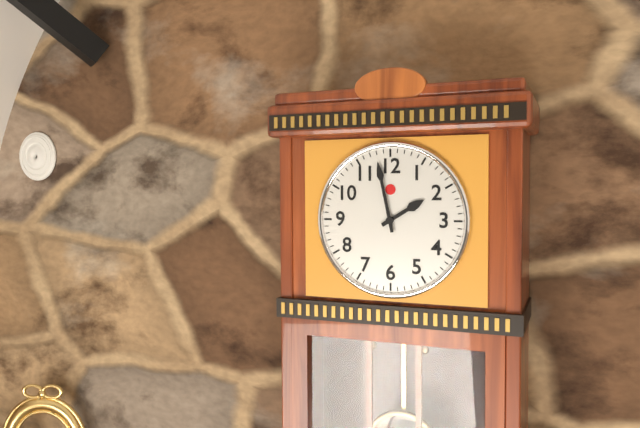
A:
h=1 m=58
